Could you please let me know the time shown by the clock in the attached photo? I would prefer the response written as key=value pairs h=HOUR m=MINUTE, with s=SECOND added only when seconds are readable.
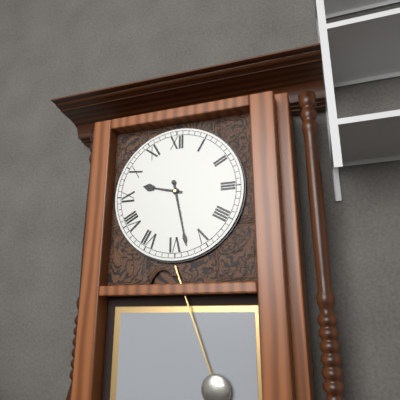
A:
h=9 m=28
